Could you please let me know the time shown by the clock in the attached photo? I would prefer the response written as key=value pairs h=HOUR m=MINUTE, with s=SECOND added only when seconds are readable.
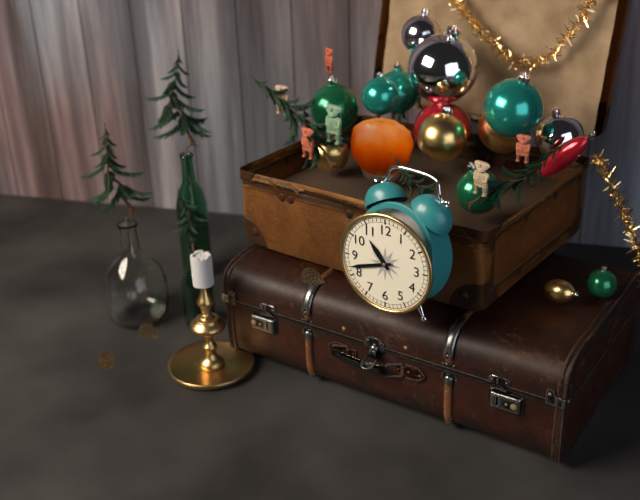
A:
h=10 m=42
